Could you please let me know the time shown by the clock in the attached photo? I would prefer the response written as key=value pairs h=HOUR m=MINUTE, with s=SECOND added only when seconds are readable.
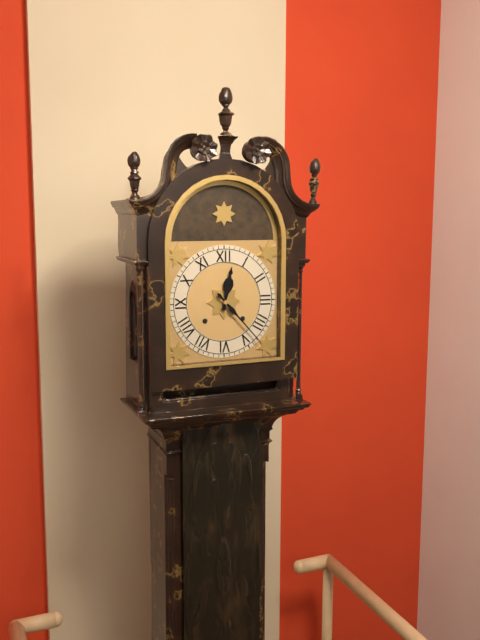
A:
h=12 m=23
